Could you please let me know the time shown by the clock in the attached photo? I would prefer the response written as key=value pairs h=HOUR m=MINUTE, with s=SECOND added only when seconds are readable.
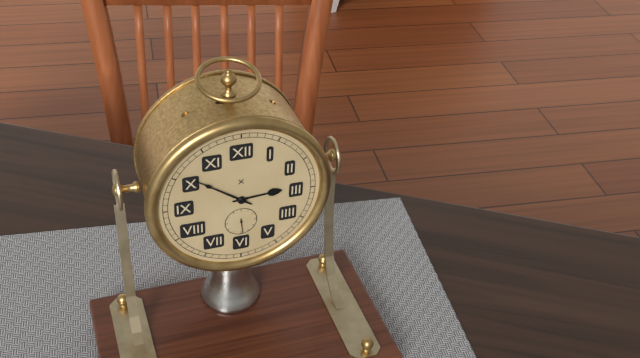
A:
h=2 m=51
